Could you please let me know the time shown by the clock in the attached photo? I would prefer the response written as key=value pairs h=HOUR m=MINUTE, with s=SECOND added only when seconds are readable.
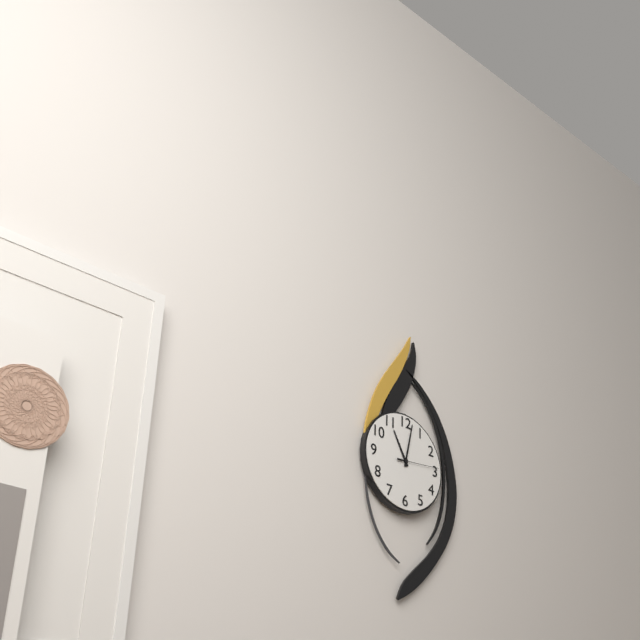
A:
h=11 m=2
